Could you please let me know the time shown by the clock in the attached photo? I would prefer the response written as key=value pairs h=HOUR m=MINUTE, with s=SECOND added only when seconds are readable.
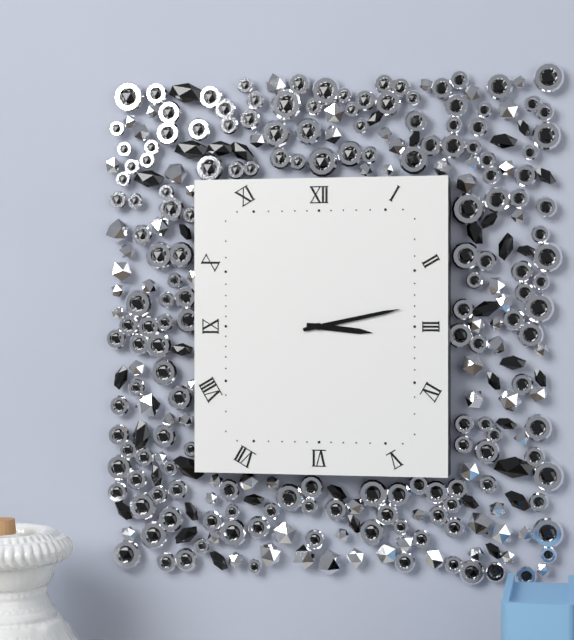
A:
h=3 m=13
